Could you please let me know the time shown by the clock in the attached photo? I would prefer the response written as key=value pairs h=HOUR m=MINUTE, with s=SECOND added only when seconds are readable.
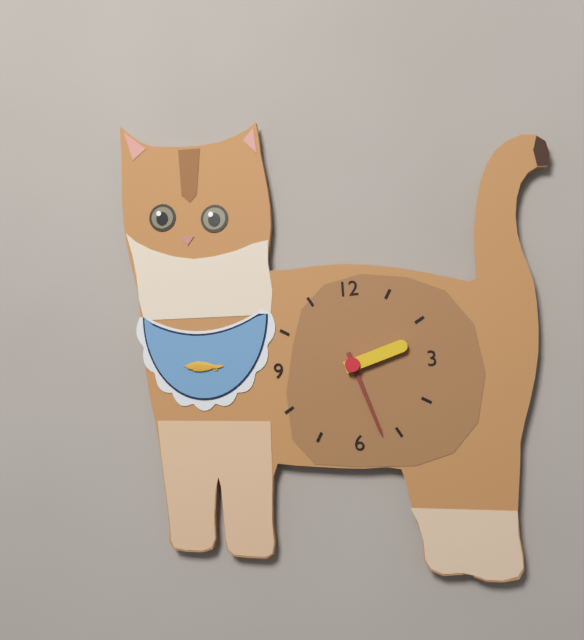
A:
h=2 m=27
